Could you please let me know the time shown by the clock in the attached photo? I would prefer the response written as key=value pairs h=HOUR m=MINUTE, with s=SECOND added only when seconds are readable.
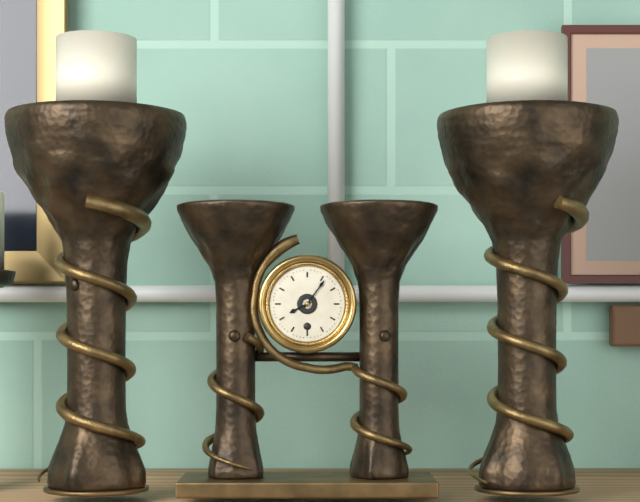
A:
h=8 m=6
